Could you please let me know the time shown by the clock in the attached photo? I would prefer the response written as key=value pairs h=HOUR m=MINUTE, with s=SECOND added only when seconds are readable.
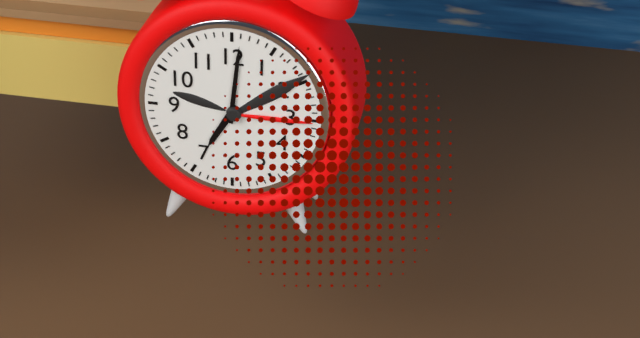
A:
h=7 m=1
